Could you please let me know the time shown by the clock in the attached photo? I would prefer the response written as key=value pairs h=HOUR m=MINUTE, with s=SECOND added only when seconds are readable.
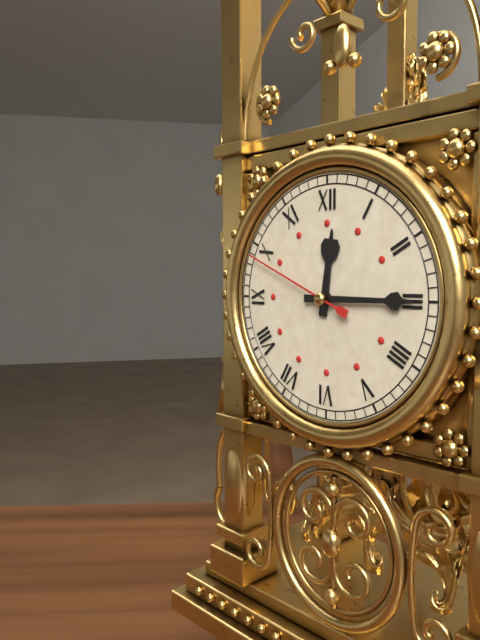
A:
h=12 m=15 s=49
